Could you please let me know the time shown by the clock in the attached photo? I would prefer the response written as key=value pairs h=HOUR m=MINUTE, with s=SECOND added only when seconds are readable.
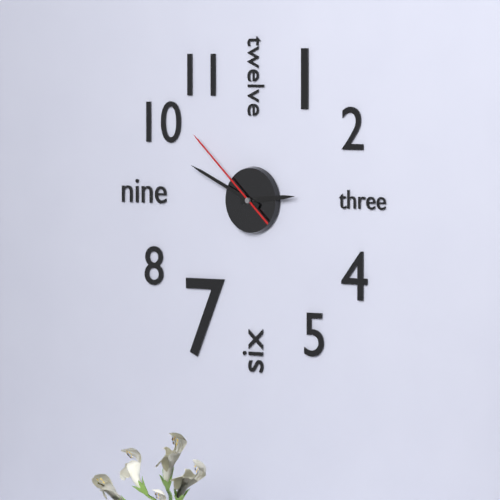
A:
h=2 m=49 s=52
